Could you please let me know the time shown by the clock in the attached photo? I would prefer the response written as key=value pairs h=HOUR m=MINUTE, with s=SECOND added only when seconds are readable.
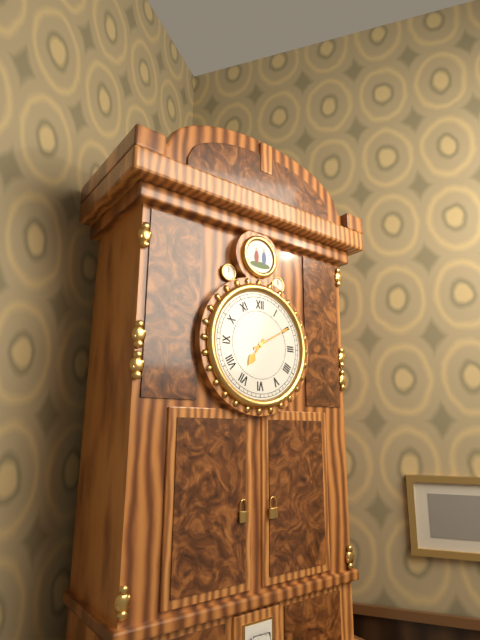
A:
h=7 m=10
